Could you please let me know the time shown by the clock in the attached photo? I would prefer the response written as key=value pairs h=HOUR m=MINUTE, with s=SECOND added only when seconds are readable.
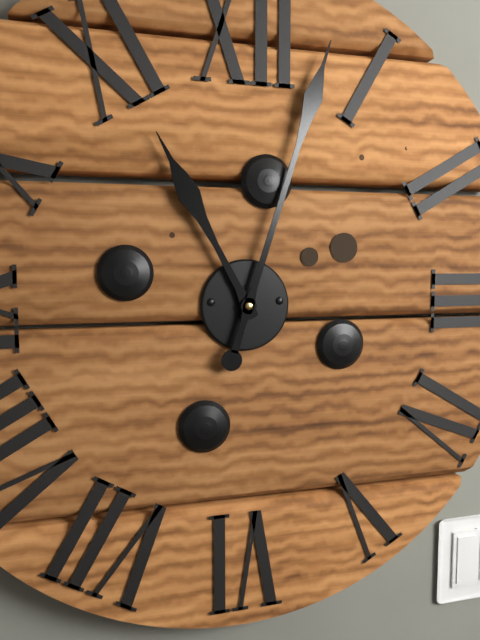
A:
h=11 m=3
